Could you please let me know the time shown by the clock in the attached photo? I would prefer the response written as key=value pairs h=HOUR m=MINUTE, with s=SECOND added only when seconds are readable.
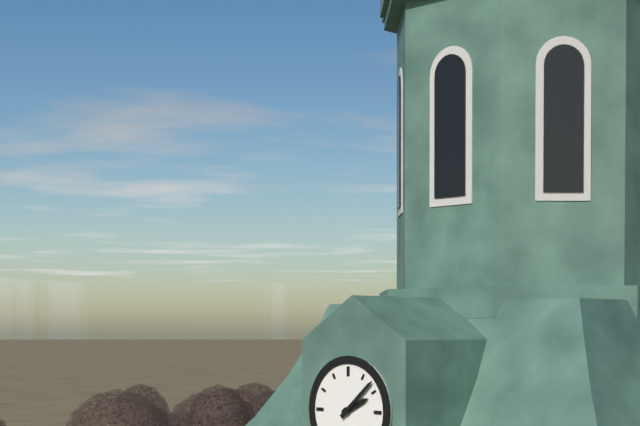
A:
h=2 m=8
